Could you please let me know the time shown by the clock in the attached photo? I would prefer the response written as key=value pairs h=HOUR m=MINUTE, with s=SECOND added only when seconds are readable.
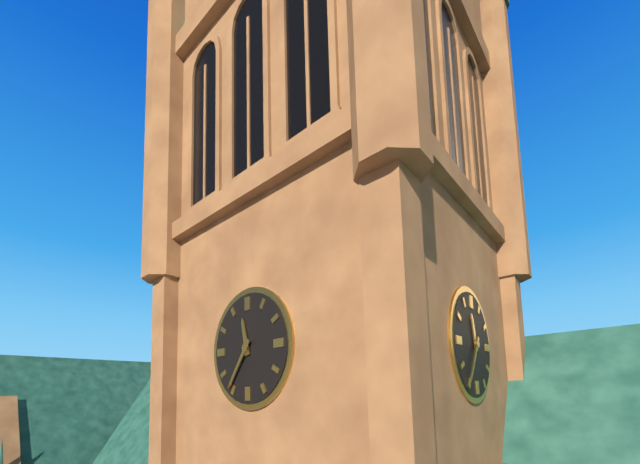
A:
h=11 m=36
